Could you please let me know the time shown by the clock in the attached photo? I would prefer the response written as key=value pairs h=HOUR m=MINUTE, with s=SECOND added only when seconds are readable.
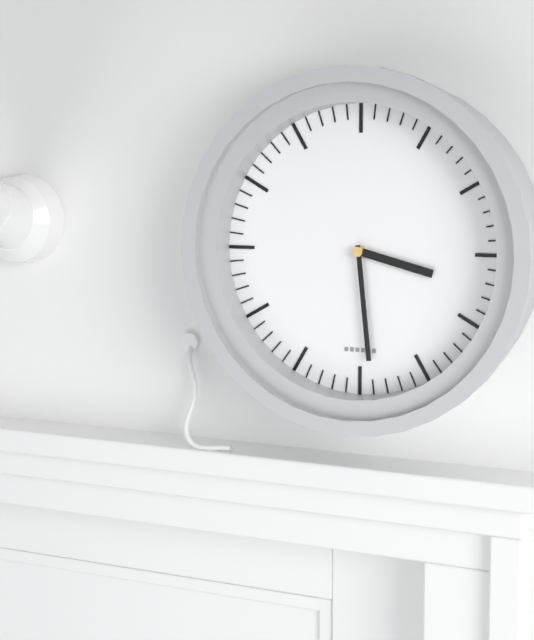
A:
h=3 m=29
